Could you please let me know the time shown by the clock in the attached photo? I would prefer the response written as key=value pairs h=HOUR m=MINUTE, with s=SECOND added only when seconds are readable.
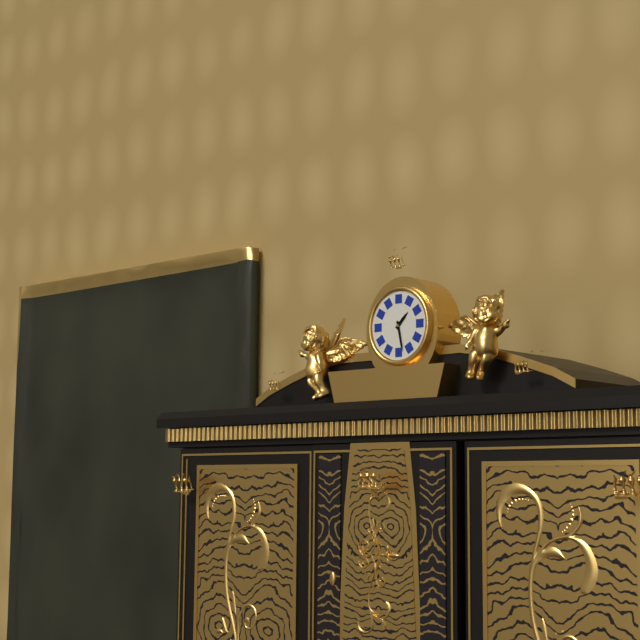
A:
h=1 m=28
